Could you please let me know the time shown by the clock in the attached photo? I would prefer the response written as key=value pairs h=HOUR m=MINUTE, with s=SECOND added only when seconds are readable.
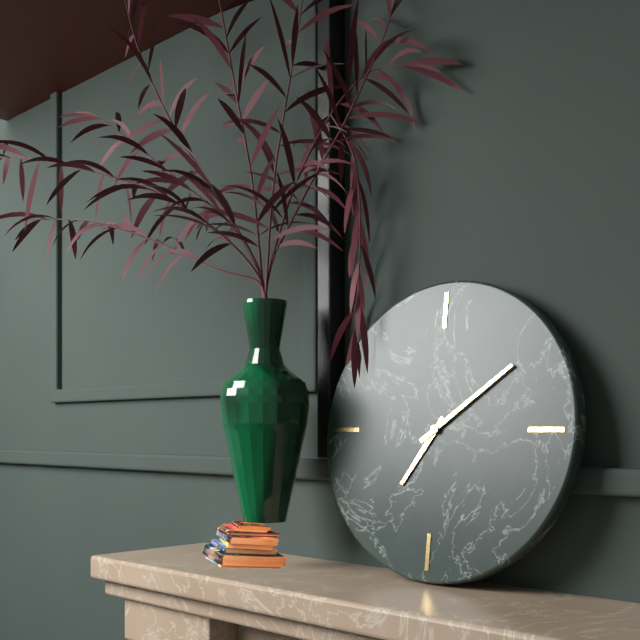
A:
h=7 m=9
